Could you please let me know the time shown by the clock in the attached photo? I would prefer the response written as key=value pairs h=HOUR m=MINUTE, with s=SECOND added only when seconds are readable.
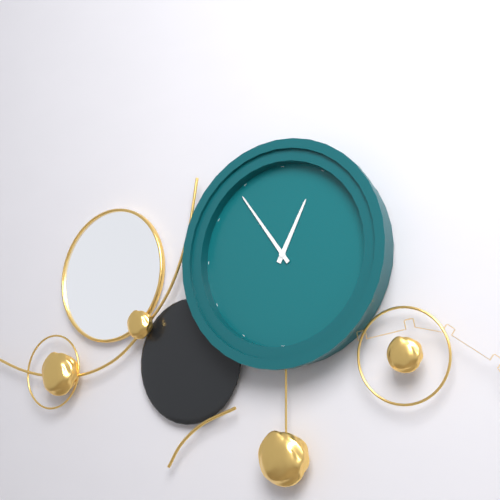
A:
h=12 m=54
